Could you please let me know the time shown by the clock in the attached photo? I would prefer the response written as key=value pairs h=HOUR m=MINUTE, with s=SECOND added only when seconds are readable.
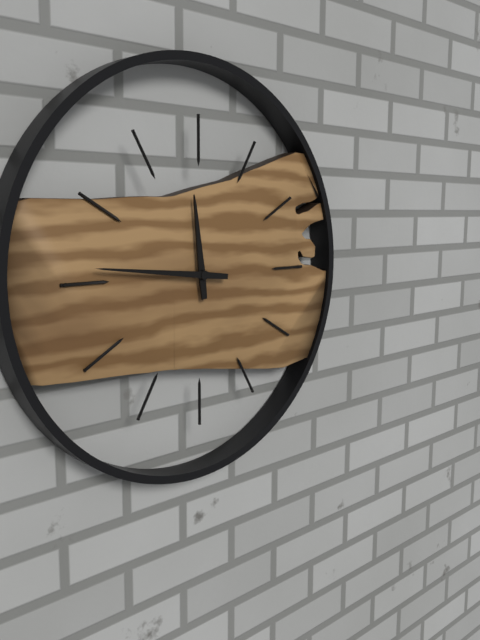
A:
h=11 m=46
